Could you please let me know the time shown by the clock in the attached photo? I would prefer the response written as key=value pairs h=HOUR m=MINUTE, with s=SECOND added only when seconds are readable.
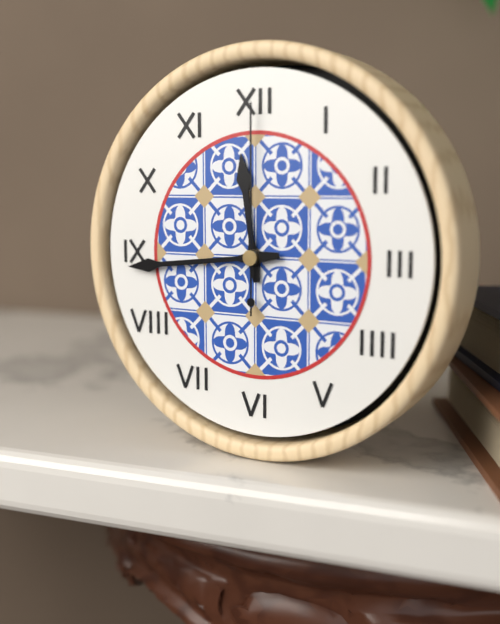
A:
h=11 m=44 s=0
